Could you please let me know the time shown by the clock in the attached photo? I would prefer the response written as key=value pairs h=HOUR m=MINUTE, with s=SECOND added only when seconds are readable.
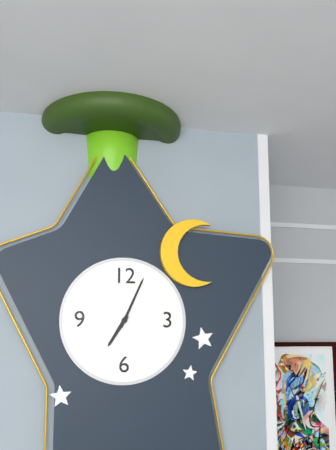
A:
h=7 m=4
